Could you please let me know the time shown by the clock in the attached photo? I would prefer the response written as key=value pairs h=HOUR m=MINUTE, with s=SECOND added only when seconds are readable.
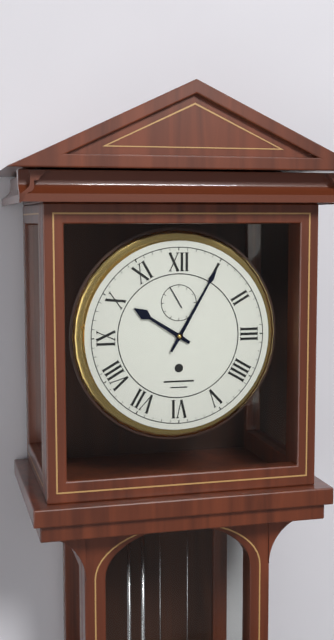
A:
h=10 m=5
